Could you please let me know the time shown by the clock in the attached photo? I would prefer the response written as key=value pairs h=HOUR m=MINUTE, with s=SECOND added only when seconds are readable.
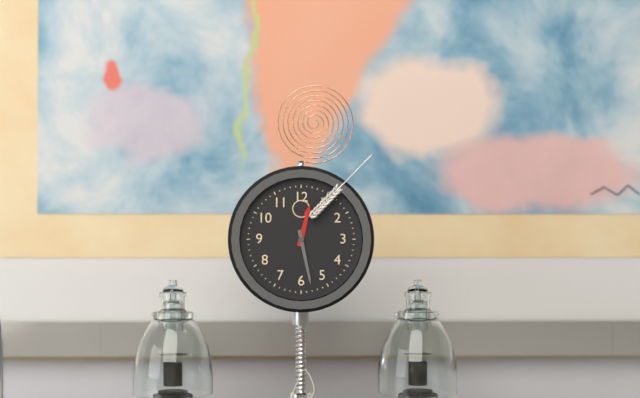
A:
h=12 m=28
